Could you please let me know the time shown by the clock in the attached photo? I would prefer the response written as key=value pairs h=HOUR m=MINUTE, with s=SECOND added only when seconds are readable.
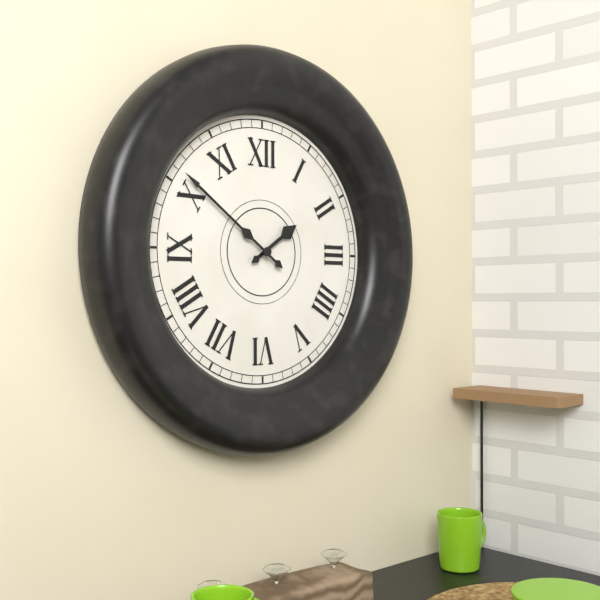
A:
h=1 m=51
